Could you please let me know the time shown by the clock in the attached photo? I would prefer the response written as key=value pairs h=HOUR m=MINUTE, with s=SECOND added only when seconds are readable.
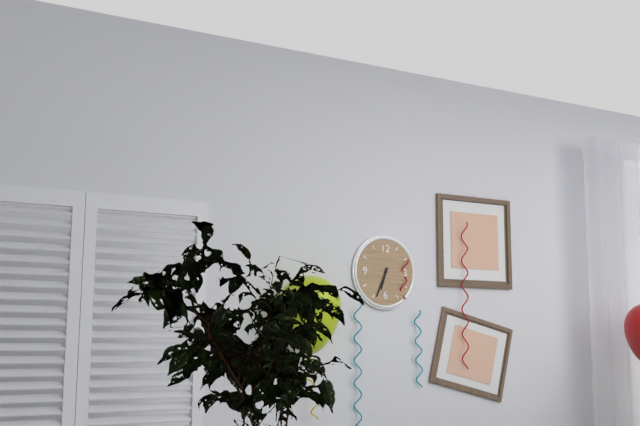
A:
h=6 m=34
